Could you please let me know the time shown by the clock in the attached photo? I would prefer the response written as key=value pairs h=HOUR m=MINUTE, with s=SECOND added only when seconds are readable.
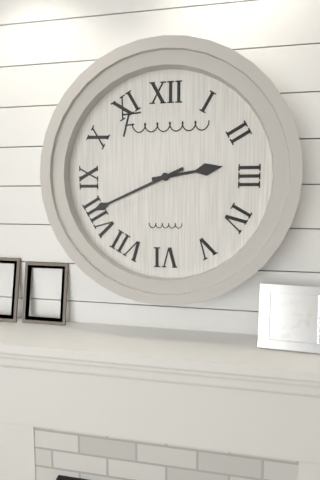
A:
h=2 m=41
